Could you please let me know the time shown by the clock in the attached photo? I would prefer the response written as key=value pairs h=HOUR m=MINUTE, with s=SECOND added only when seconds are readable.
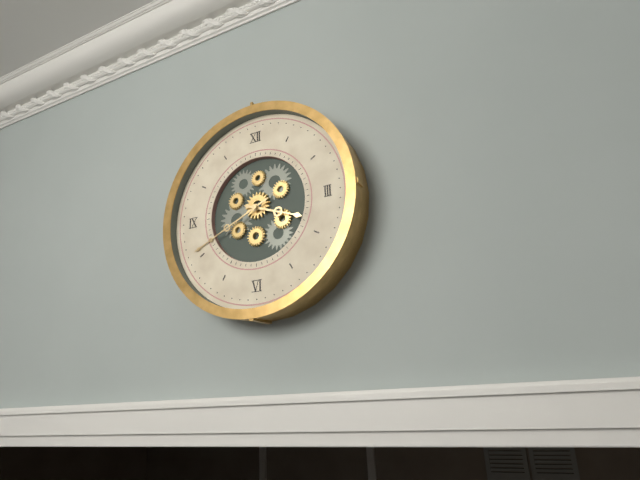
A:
h=3 m=41
